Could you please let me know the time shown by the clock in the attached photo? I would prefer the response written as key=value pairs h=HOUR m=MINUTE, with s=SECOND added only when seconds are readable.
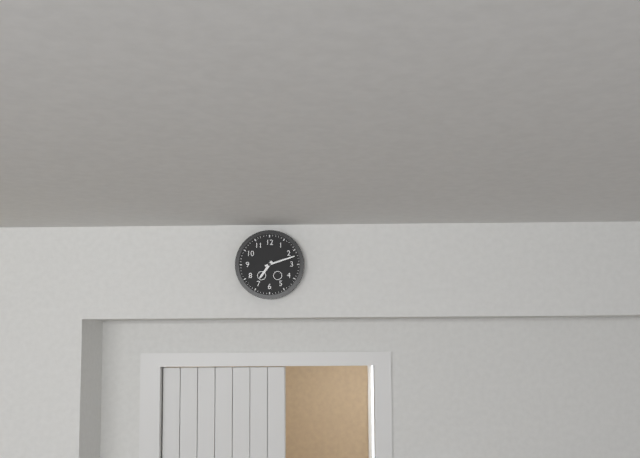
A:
h=7 m=12
